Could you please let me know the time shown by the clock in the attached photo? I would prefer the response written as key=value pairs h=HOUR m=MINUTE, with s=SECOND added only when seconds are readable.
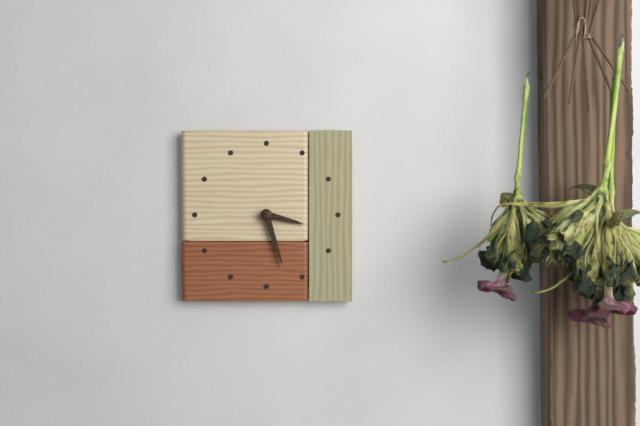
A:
h=3 m=27
